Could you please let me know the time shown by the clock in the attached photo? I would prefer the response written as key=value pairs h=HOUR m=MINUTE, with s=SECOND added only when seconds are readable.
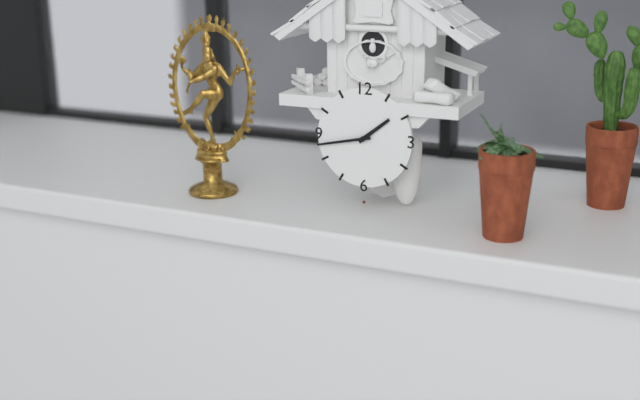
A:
h=1 m=43
